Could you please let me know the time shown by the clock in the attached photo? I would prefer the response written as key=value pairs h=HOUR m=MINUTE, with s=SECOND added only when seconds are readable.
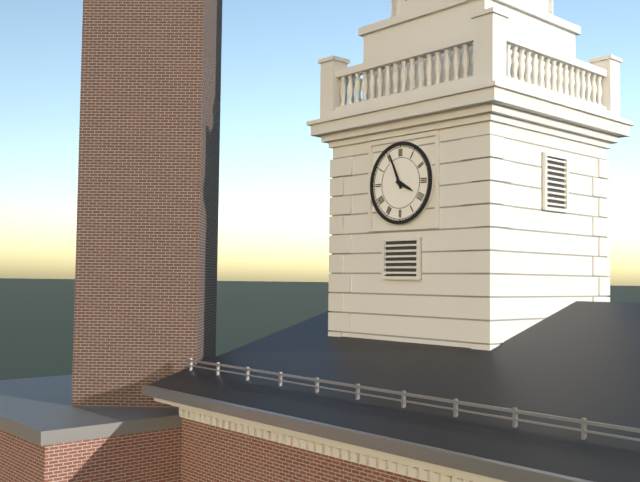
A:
h=3 m=56
